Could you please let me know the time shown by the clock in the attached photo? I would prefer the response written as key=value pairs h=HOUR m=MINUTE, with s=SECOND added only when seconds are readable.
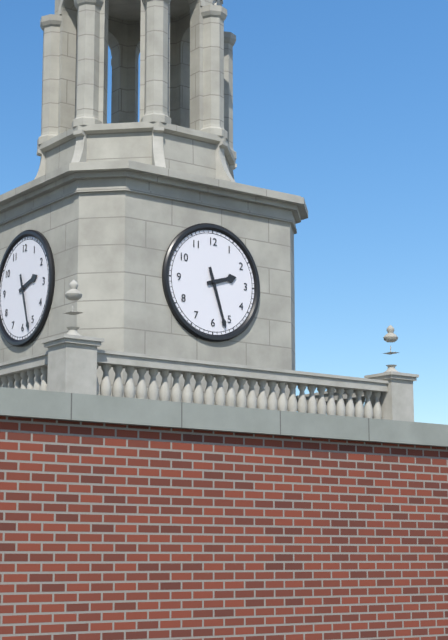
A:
h=2 m=27
